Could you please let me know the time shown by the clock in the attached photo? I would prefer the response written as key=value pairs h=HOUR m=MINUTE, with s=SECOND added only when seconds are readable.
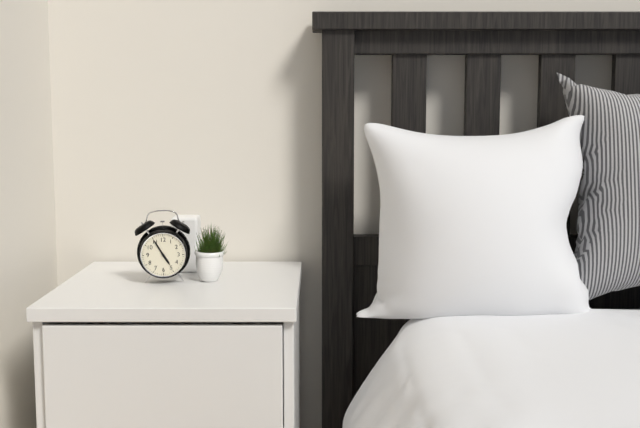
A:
h=4 m=55
